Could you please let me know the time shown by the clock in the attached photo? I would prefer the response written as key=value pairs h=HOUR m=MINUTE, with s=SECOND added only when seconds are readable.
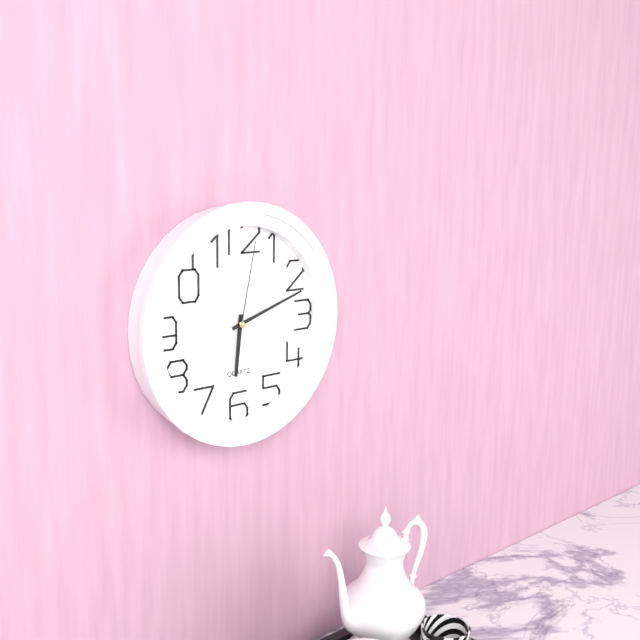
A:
h=6 m=12 s=2
